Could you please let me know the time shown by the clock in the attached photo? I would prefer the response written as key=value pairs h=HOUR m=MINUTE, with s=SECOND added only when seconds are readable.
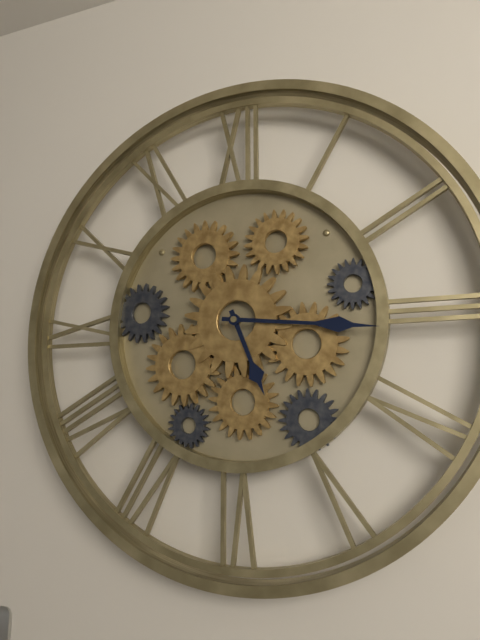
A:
h=5 m=16
